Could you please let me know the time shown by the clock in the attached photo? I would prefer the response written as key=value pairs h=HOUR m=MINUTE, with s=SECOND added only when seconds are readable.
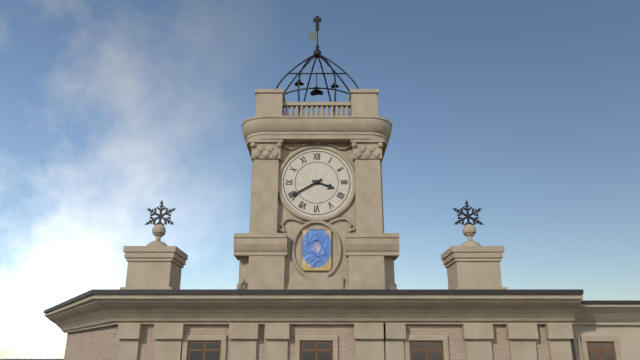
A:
h=3 m=40
